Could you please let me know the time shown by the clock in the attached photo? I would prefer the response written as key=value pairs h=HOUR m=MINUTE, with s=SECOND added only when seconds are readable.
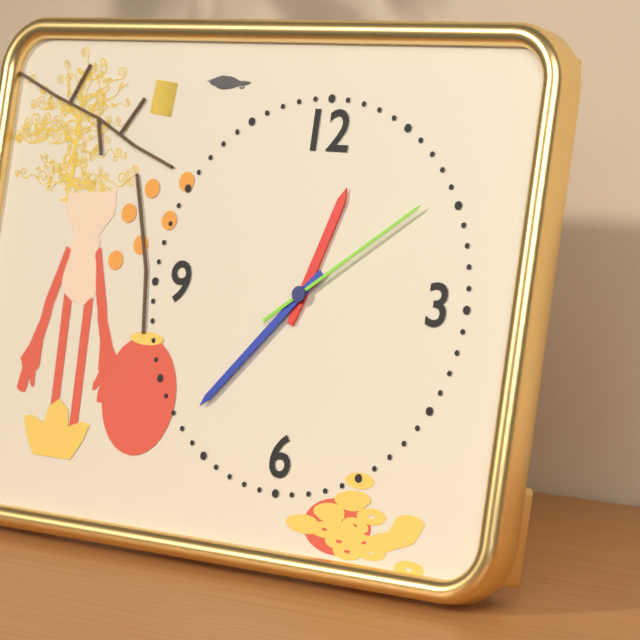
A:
h=12 m=37 s=9
